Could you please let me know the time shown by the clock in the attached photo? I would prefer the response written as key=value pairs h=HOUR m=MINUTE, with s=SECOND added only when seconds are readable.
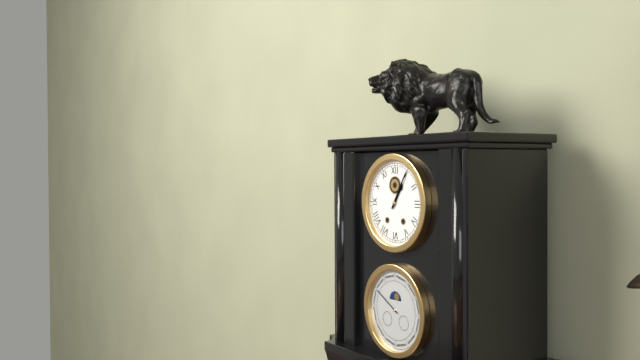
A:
h=1 m=5
